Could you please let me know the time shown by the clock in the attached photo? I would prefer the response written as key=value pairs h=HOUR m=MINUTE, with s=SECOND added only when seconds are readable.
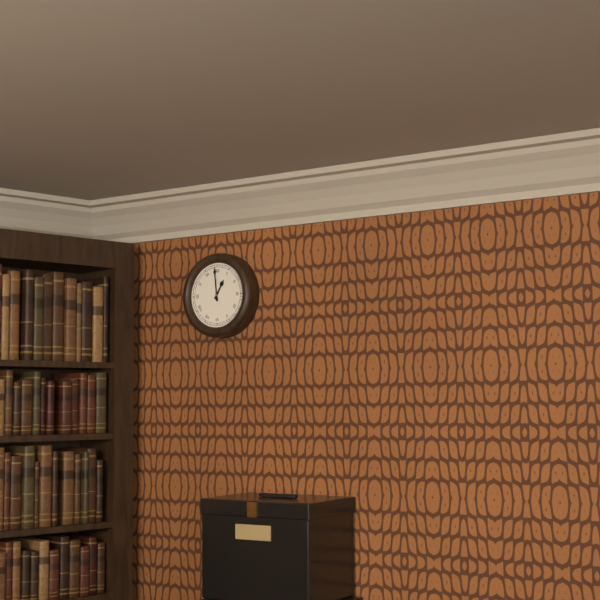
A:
h=12 m=59
